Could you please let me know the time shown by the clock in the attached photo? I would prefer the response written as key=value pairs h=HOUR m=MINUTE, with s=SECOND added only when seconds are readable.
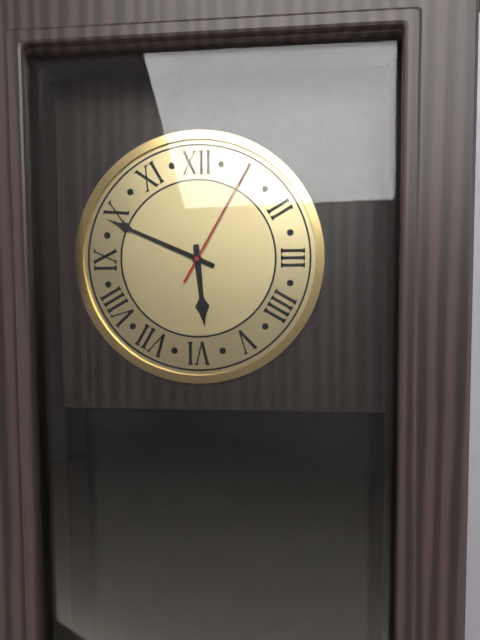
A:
h=5 m=49 s=5
